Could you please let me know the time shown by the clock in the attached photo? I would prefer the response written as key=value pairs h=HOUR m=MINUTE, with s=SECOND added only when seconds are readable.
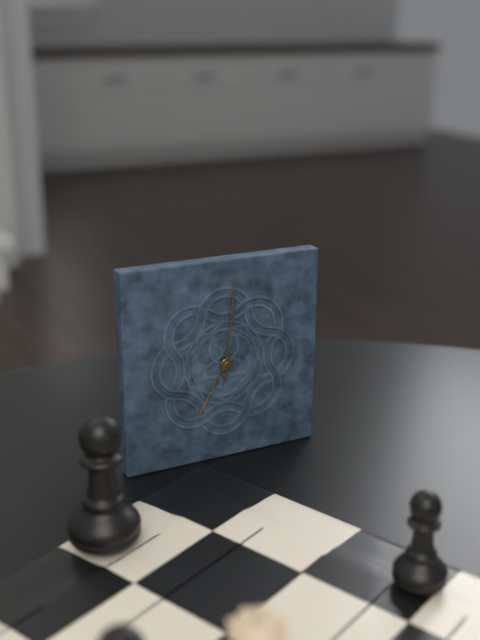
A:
h=7 m=1
